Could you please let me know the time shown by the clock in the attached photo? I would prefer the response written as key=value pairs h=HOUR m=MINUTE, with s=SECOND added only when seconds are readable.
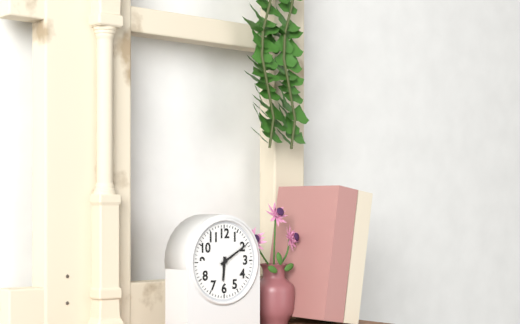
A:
h=6 m=10
